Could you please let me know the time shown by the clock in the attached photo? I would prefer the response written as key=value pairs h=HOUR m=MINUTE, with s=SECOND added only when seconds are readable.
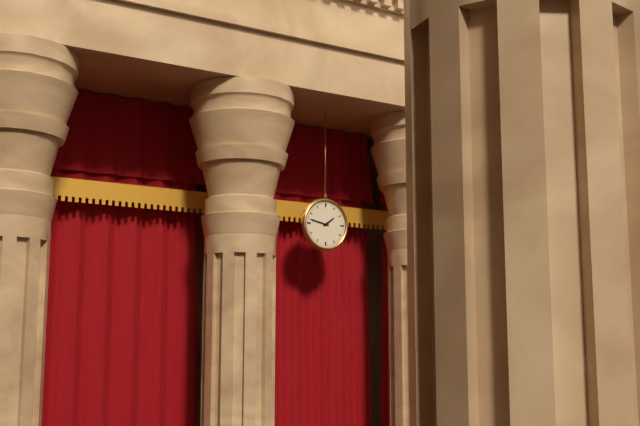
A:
h=1 m=47
